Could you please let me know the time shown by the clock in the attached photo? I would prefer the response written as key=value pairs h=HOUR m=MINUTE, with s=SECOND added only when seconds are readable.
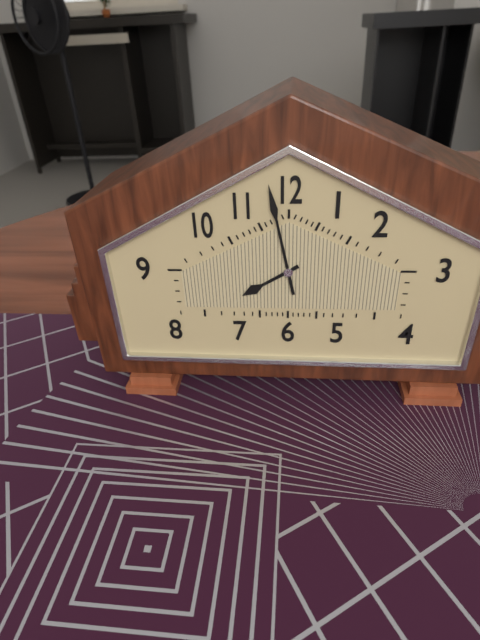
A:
h=7 m=58
